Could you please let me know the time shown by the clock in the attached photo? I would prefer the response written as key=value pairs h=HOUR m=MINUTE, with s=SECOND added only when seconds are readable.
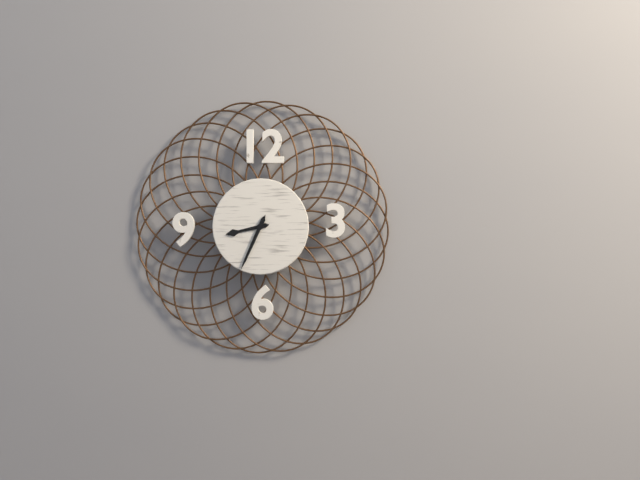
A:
h=8 m=34
